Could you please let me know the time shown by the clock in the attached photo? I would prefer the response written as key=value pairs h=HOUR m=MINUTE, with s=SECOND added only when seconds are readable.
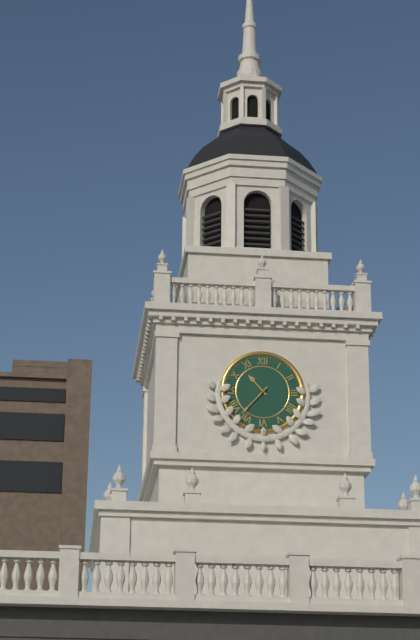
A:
h=10 m=37
